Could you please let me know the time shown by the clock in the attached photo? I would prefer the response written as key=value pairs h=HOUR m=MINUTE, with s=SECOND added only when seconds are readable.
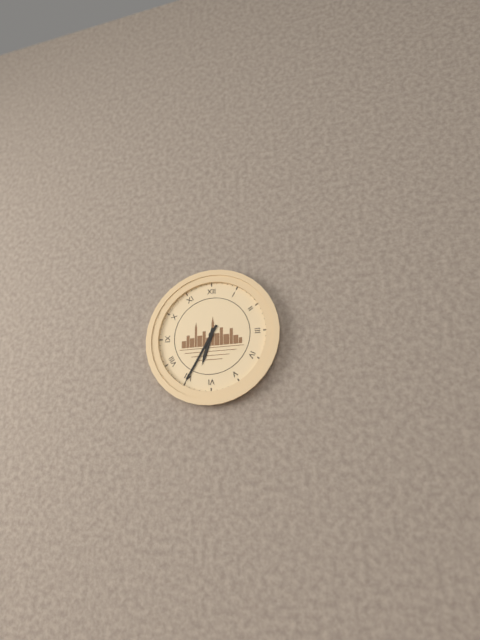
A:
h=6 m=35
